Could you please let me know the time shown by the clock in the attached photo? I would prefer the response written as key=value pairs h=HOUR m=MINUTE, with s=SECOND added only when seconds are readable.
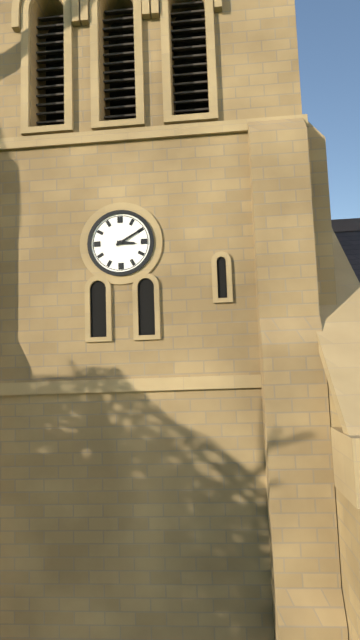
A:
h=3 m=10
